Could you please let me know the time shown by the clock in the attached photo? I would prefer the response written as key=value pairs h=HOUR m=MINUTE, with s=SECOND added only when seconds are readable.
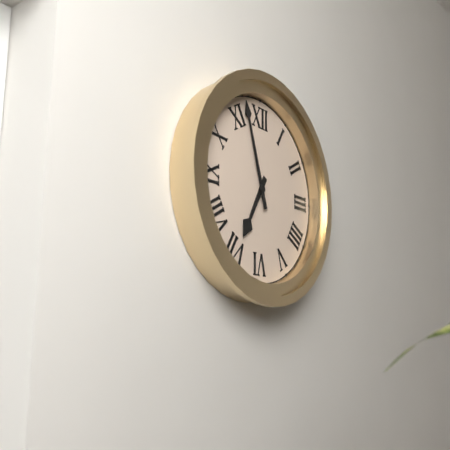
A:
h=6 m=57
